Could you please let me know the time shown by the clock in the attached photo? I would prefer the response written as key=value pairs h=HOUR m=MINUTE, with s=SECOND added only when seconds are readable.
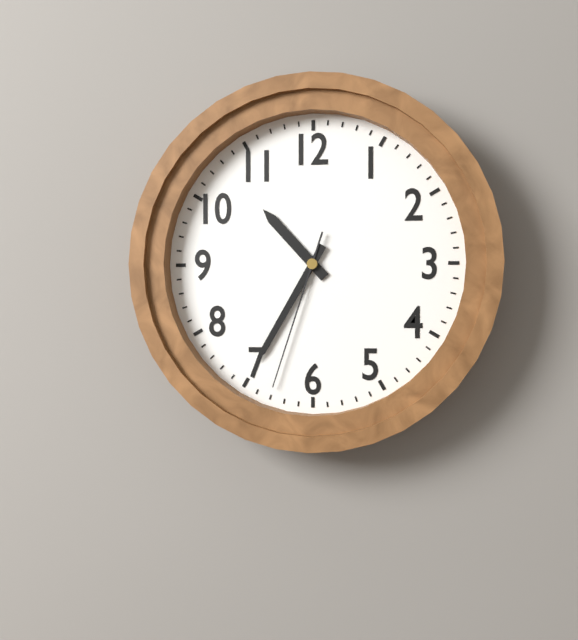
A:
h=10 m=35 s=33
